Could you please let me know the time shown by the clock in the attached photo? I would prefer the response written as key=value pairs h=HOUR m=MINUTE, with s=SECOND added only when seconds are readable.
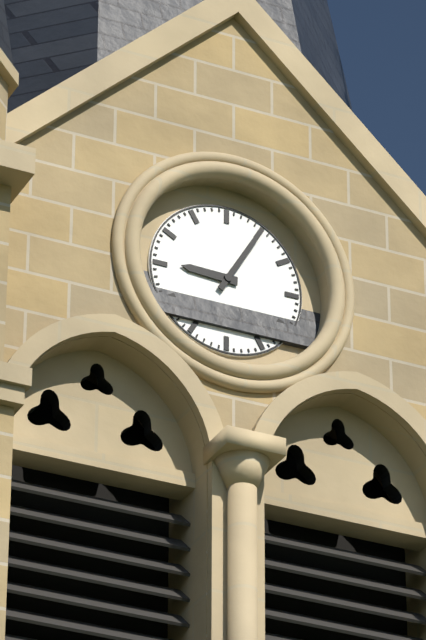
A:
h=9 m=5
